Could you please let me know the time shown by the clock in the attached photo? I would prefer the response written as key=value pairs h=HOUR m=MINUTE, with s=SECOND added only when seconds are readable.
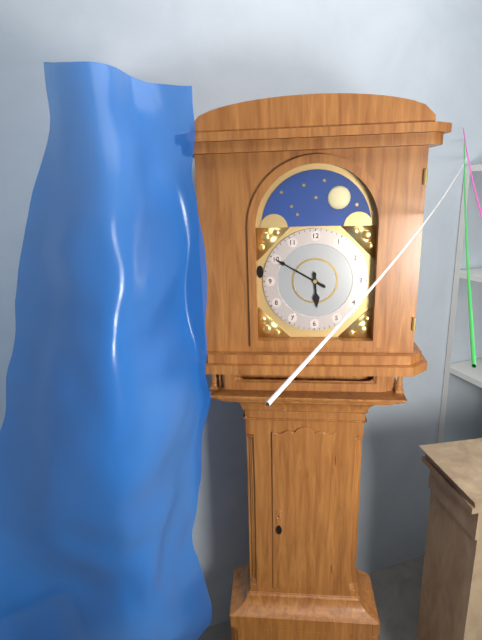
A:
h=5 m=50
